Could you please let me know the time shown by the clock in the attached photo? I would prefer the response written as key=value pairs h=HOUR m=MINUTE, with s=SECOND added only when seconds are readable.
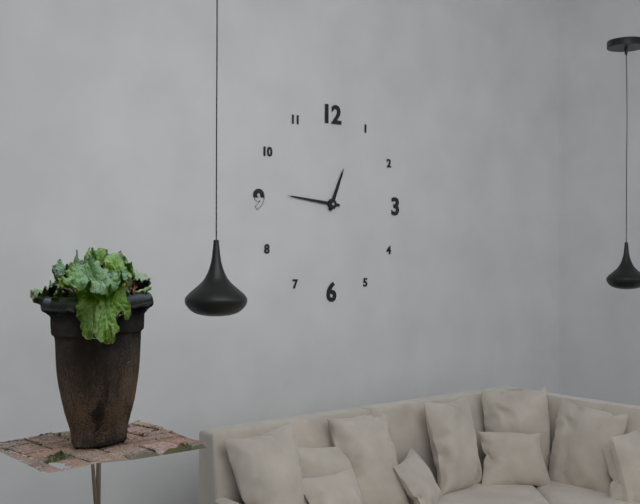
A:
h=12 m=46
